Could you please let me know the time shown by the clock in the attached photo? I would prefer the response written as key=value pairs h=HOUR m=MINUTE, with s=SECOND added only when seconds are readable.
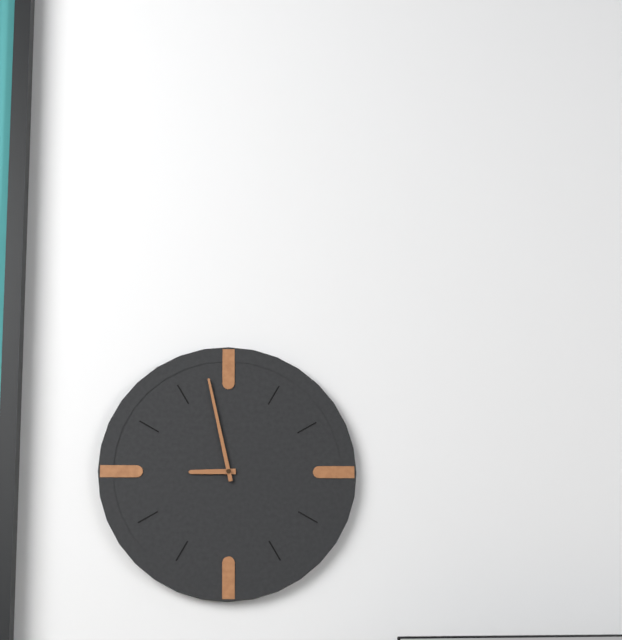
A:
h=8 m=58
